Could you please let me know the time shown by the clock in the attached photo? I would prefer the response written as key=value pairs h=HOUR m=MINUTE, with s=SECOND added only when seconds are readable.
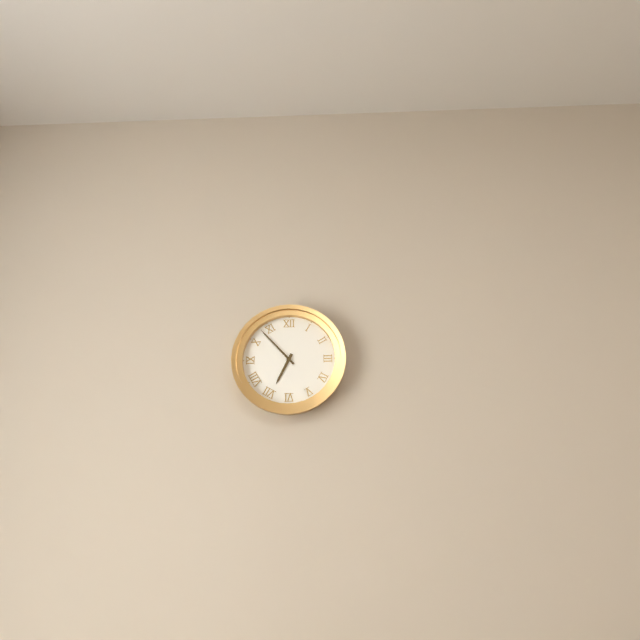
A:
h=6 m=53
